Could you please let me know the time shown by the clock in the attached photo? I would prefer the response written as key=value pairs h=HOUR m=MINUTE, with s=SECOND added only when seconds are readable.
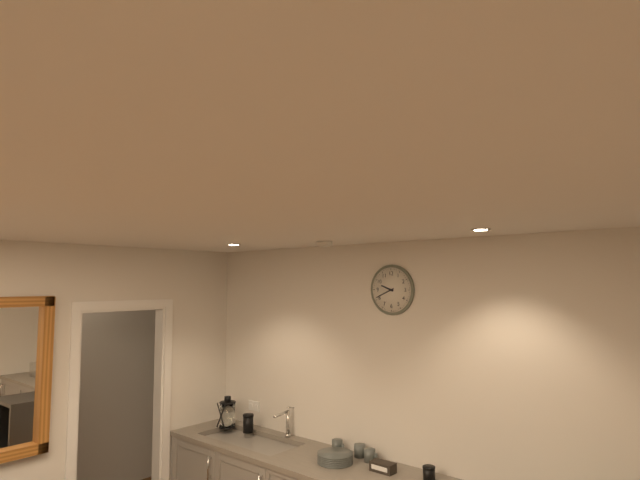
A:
h=9 m=41
